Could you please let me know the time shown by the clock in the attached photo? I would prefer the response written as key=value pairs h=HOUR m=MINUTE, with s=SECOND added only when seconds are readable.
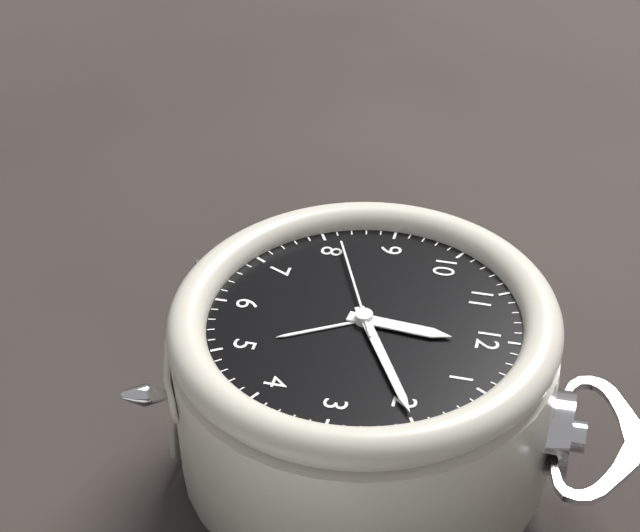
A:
h=12 m=10 s=41
